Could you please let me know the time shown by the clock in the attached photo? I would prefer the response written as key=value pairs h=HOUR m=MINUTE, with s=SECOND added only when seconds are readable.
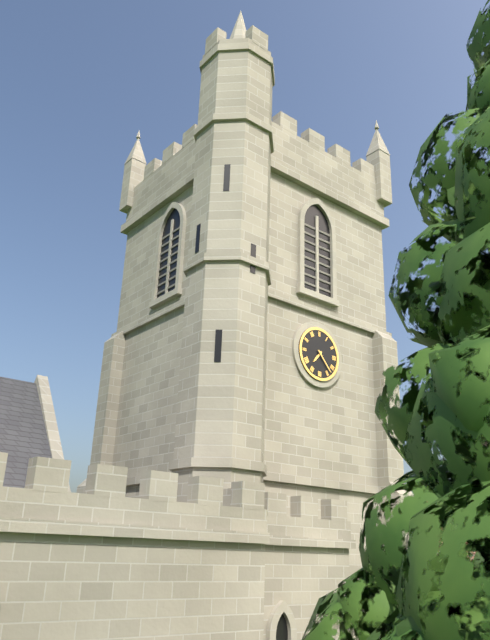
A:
h=7 m=23
